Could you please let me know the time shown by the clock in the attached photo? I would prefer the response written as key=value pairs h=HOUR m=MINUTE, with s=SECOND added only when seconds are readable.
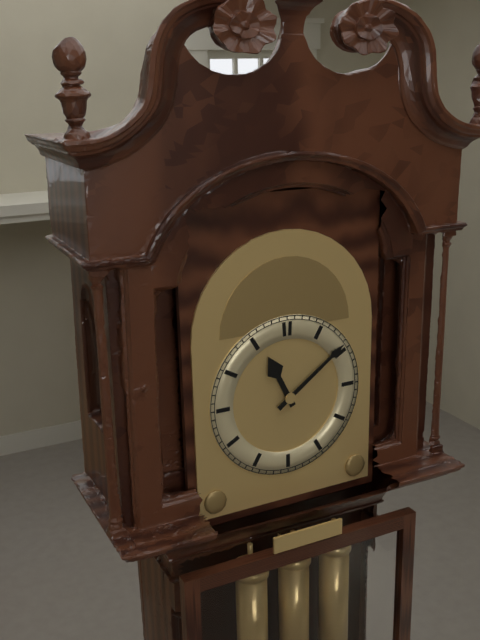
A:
h=11 m=9
